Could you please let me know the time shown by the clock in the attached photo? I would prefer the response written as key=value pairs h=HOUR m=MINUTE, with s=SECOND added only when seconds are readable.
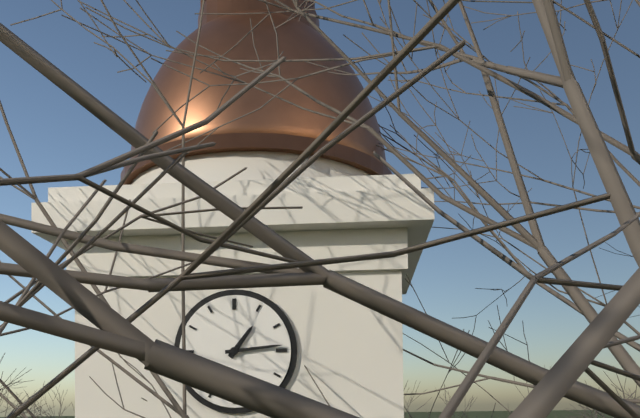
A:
h=1 m=14
